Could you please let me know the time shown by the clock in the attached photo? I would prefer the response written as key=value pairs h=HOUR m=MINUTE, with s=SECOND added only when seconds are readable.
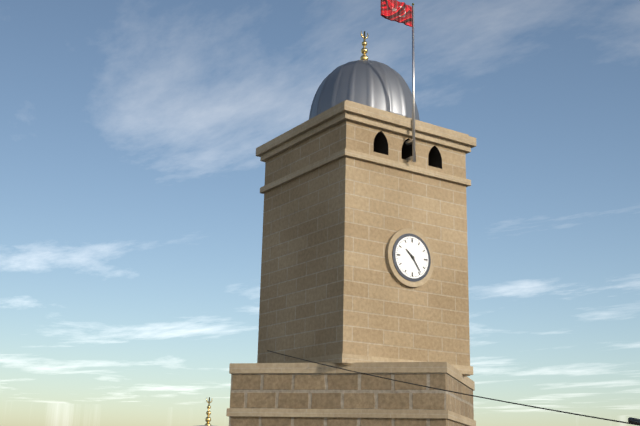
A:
h=10 m=24
